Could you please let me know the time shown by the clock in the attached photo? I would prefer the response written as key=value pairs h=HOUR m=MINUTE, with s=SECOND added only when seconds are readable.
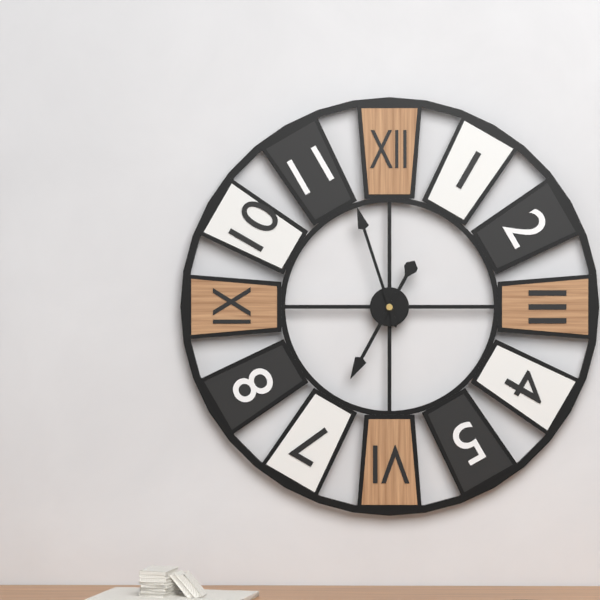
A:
h=6 m=57
